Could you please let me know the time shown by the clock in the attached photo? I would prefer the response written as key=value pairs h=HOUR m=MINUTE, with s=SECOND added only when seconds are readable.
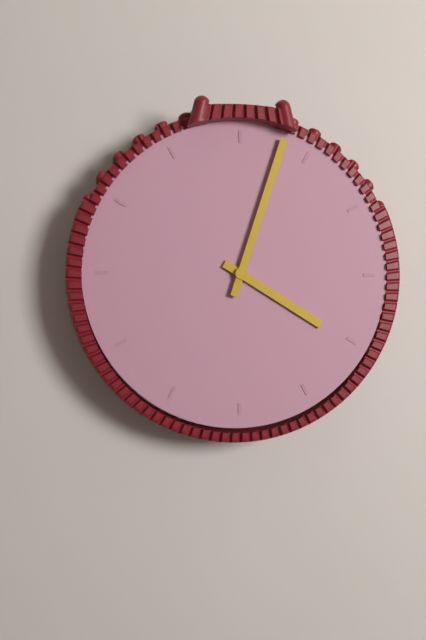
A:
h=4 m=3
